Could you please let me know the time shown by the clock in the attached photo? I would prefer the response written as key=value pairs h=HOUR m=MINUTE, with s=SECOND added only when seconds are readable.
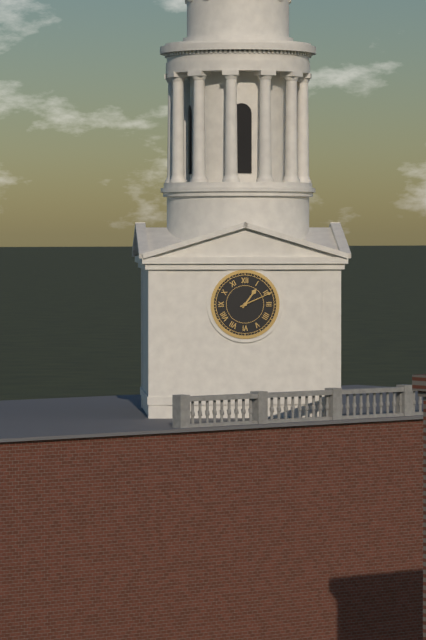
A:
h=1 m=11
